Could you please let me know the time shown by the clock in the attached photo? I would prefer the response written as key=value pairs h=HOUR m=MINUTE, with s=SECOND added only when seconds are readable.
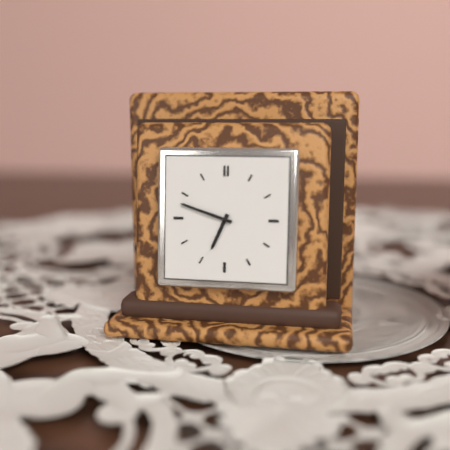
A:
h=6 m=48
